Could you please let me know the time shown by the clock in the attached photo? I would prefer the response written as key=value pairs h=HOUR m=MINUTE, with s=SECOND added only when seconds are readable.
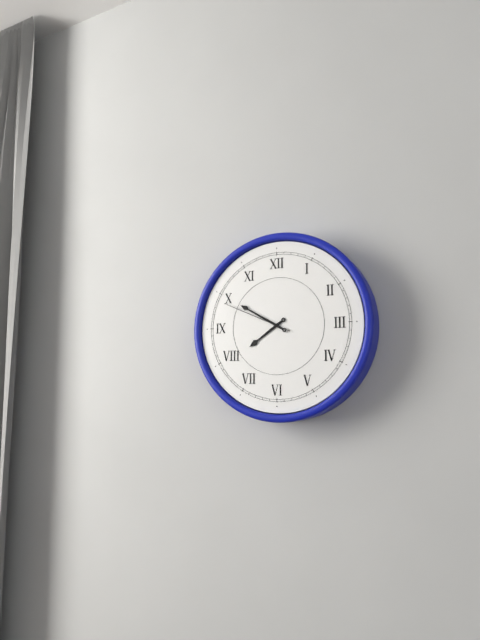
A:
h=7 m=50 s=49
